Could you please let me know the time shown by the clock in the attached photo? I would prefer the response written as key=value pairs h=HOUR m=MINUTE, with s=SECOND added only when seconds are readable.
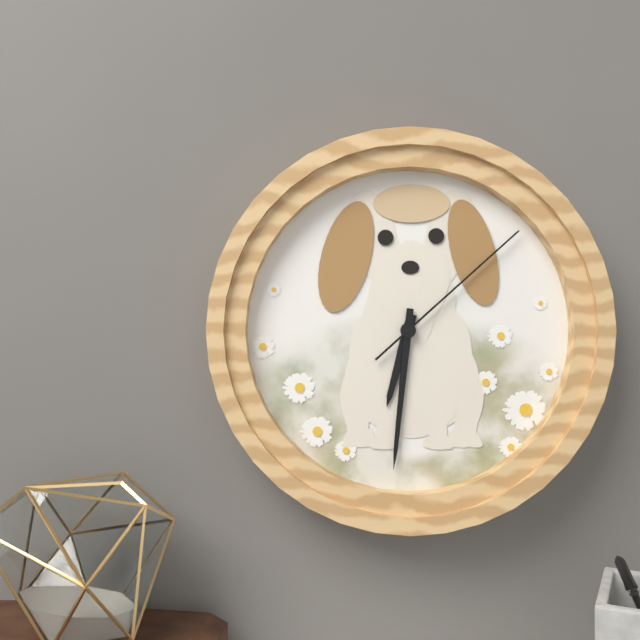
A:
h=6 m=31 s=8
